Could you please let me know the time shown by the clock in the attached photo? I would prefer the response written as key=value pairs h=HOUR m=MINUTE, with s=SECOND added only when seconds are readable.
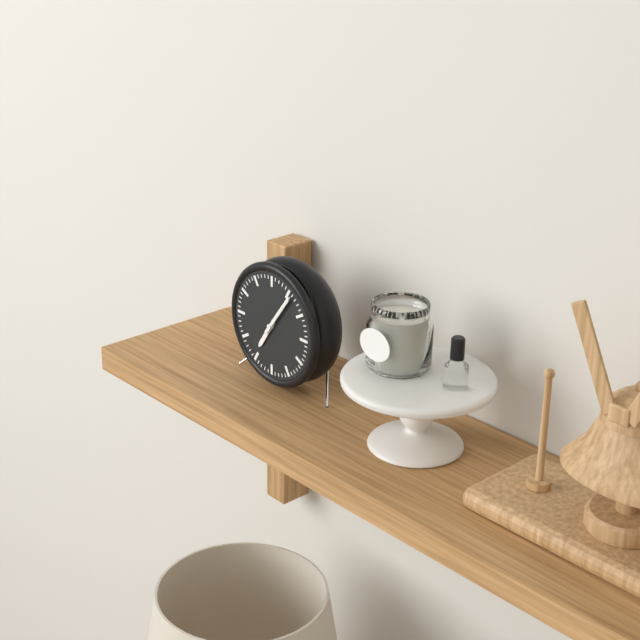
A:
h=7 m=6
